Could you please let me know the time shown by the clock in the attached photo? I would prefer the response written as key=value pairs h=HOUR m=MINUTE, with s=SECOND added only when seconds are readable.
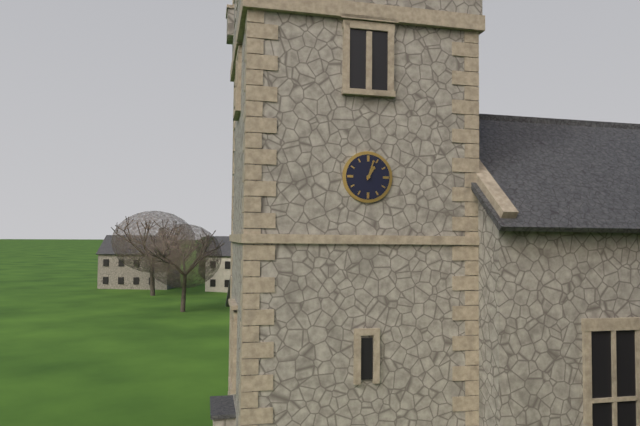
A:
h=1 m=3
